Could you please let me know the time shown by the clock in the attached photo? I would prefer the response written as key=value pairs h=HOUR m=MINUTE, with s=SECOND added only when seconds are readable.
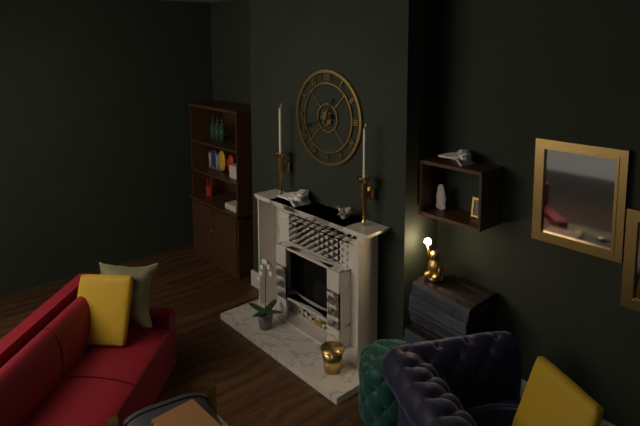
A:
h=12 m=42
